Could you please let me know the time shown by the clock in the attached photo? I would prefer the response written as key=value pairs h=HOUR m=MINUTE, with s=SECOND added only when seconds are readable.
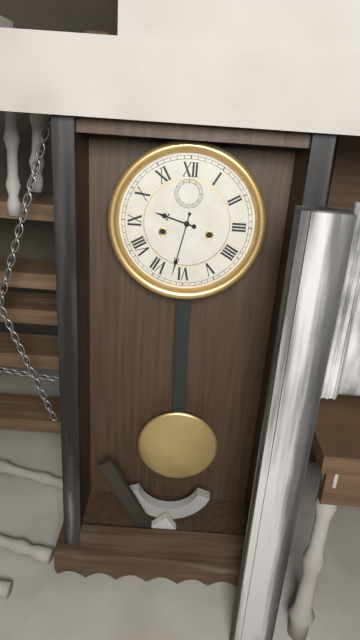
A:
h=9 m=32
